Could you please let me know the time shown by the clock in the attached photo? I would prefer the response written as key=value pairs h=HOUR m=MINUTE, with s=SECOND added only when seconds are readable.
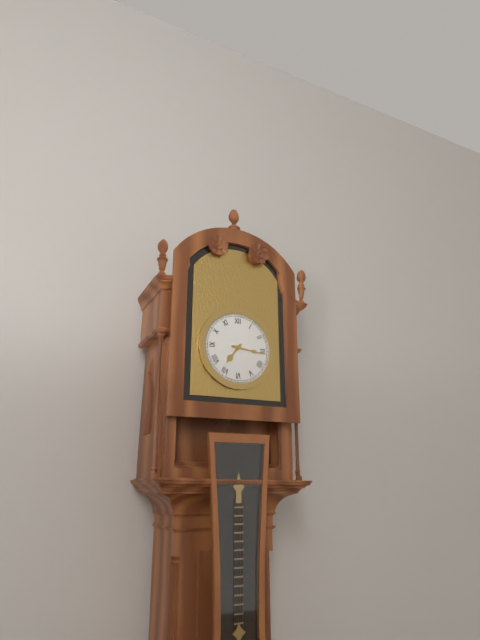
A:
h=7 m=16
